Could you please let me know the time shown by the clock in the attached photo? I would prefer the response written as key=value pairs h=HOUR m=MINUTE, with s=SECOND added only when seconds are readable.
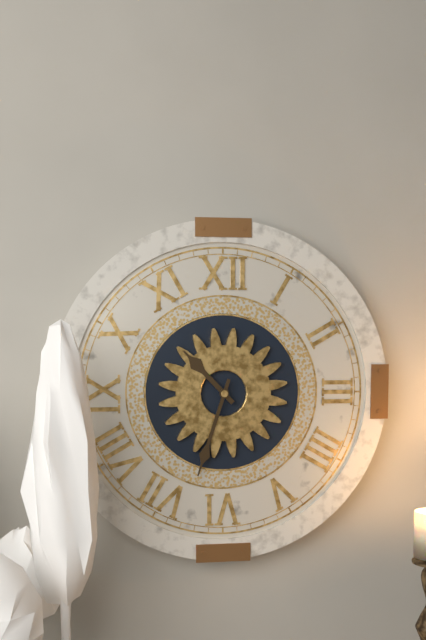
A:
h=10 m=33
